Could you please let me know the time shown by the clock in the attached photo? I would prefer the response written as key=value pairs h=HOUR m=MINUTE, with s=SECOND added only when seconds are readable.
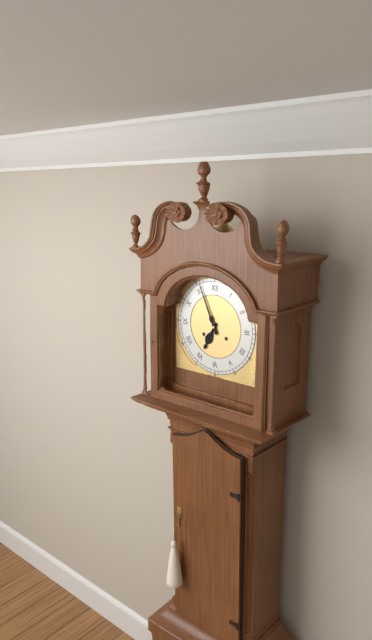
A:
h=6 m=56
